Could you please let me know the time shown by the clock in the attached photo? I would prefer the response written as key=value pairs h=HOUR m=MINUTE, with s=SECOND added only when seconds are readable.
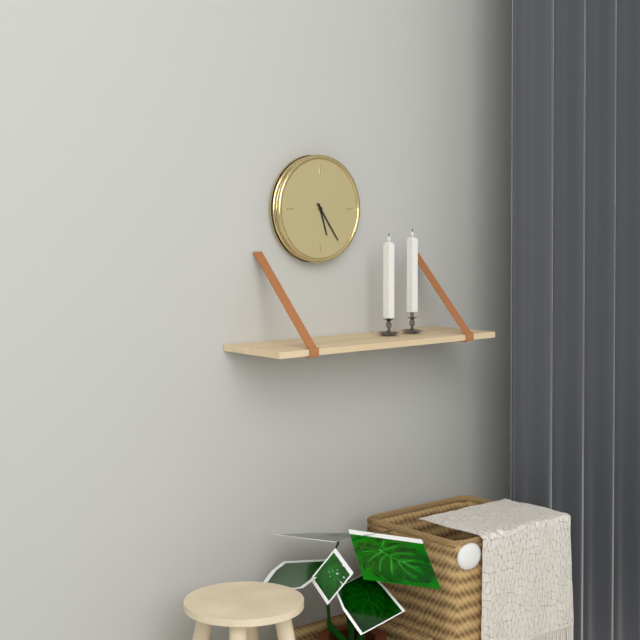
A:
h=5 m=24
